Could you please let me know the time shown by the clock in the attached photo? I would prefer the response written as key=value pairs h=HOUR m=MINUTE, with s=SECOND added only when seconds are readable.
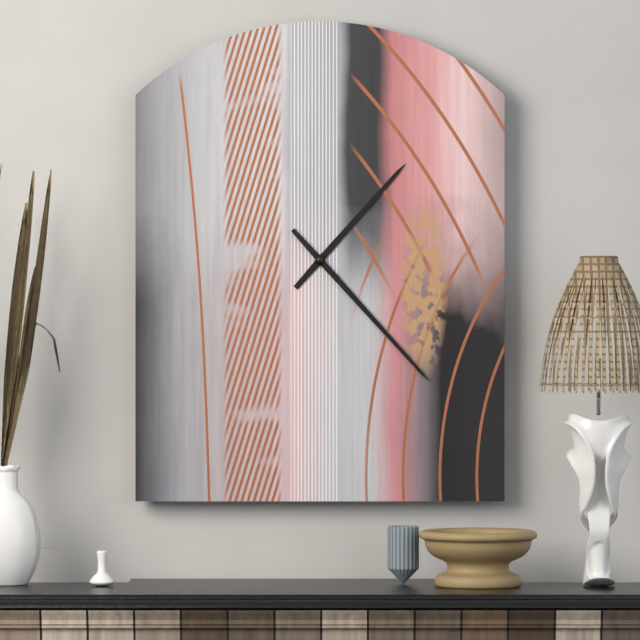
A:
h=1 m=23
